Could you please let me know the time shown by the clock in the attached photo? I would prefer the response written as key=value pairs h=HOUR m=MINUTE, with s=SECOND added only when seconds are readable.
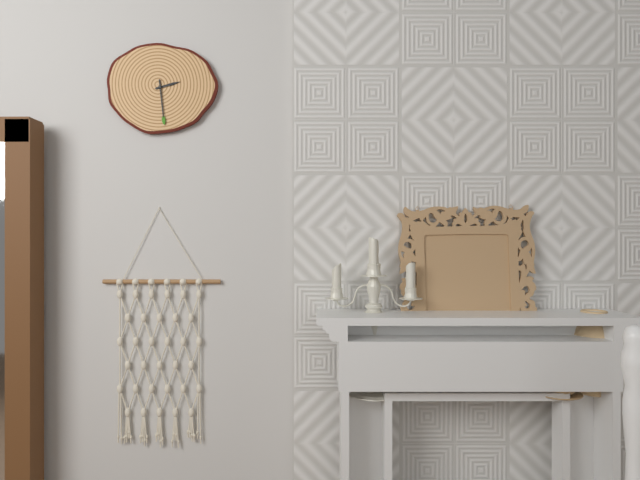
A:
h=2 m=29
